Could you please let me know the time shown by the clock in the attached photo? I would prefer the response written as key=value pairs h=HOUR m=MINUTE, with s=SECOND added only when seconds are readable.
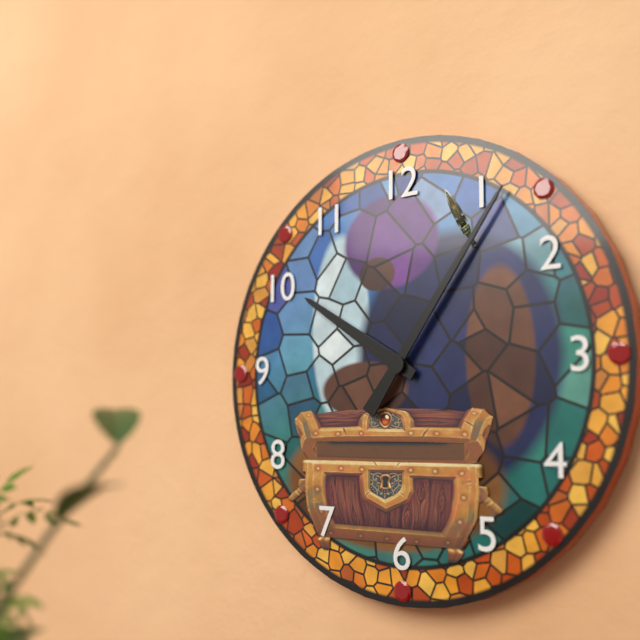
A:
h=10 m=6
